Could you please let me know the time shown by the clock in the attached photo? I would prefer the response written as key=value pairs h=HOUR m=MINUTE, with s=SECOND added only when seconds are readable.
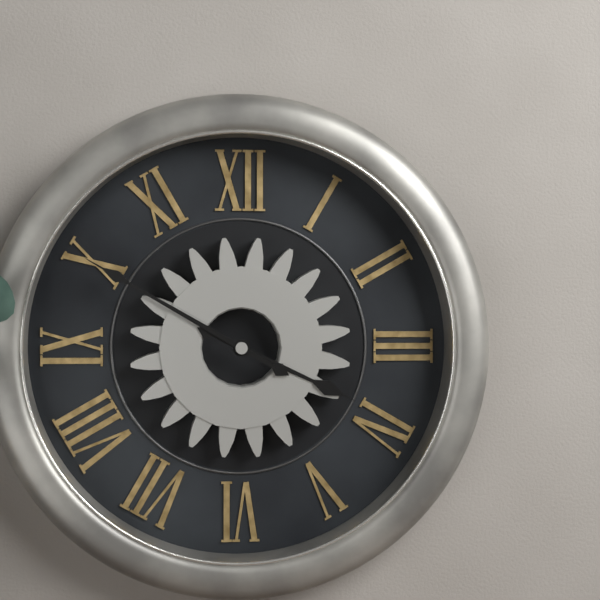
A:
h=3 m=50
